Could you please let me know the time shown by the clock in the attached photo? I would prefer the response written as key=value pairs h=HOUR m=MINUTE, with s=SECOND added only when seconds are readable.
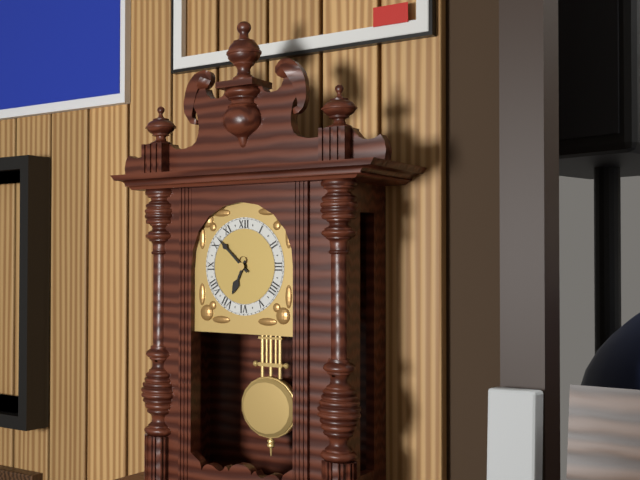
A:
h=6 m=52
